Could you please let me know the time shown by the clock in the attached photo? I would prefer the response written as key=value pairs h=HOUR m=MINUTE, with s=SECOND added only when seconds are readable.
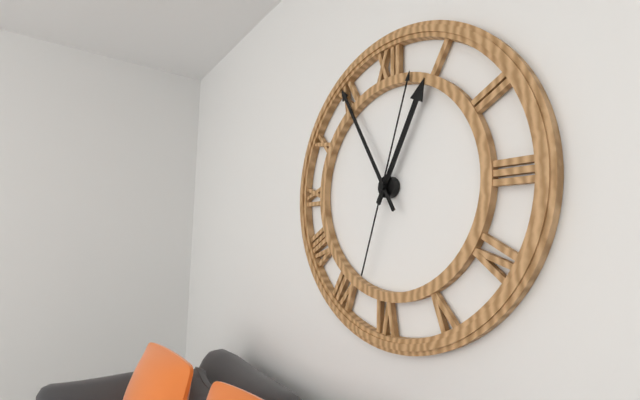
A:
h=12 m=55 s=3
